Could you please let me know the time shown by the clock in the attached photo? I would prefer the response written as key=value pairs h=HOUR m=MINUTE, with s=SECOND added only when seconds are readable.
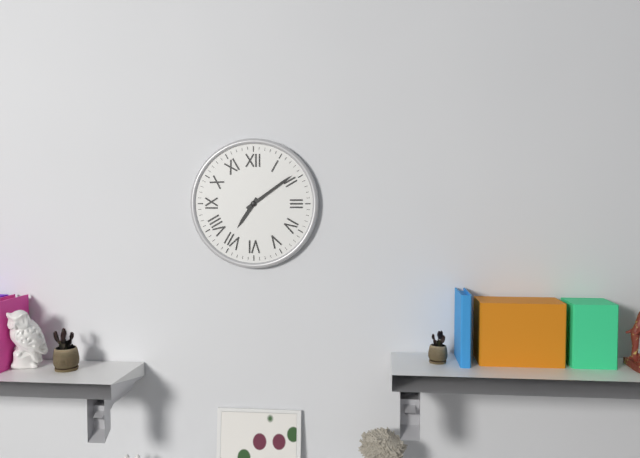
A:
h=7 m=9
